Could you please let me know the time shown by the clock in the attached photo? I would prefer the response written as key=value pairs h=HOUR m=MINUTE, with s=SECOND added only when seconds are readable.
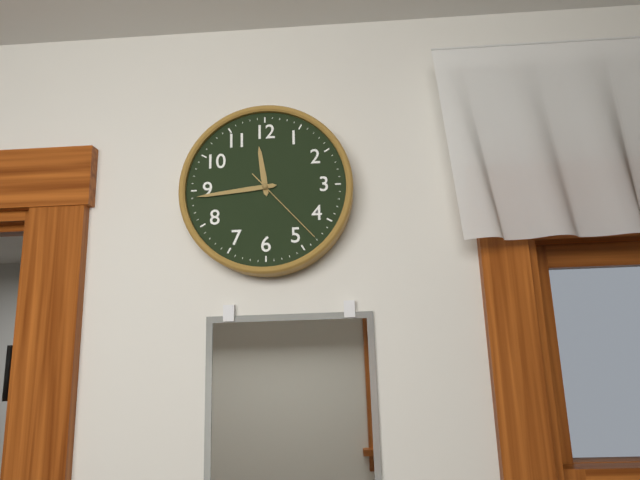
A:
h=11 m=44 s=23
